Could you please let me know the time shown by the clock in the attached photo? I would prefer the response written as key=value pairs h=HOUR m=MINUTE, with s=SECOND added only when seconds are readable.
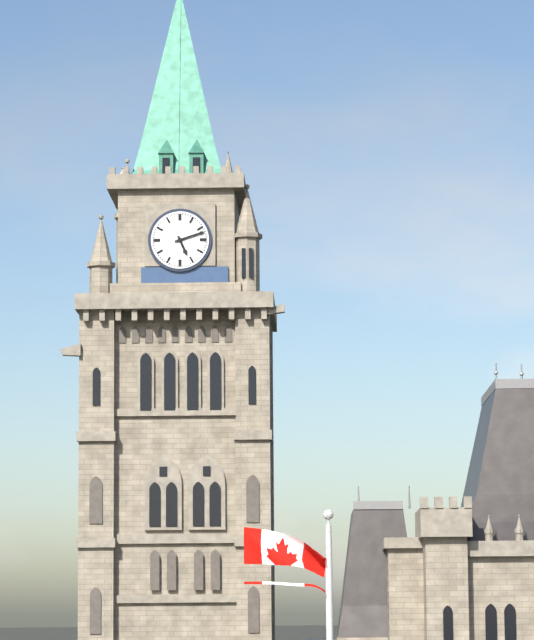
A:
h=5 m=12
